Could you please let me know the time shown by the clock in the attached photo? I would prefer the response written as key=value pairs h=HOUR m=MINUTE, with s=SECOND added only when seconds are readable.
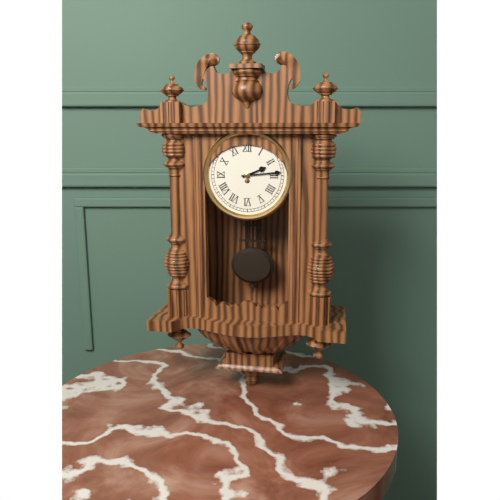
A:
h=2 m=14
